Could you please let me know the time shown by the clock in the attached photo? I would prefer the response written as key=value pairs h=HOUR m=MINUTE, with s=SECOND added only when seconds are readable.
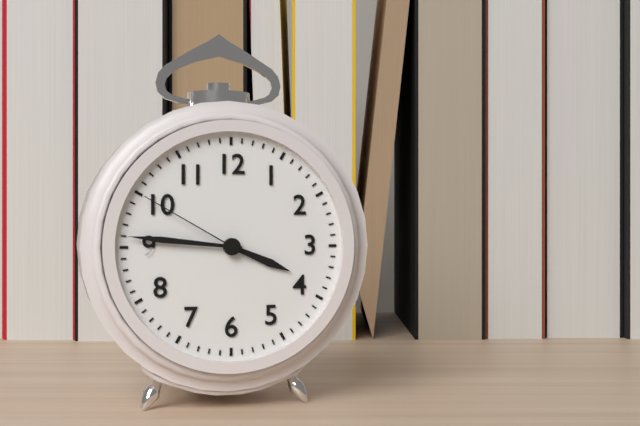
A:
h=3 m=46 s=50
